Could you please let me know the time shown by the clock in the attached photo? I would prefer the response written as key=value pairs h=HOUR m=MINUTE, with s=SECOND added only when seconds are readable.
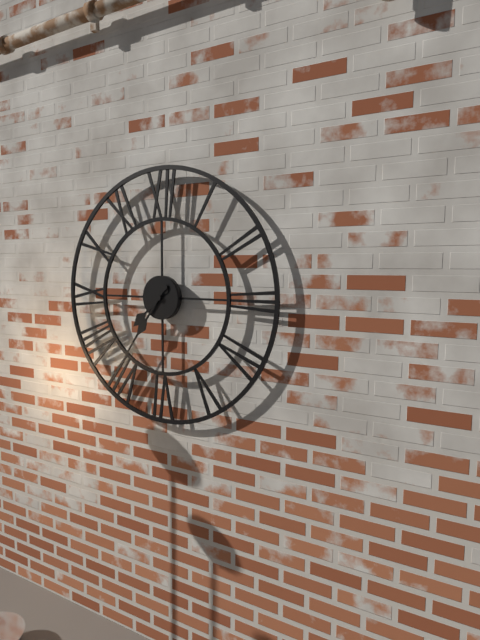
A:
h=7 m=36
